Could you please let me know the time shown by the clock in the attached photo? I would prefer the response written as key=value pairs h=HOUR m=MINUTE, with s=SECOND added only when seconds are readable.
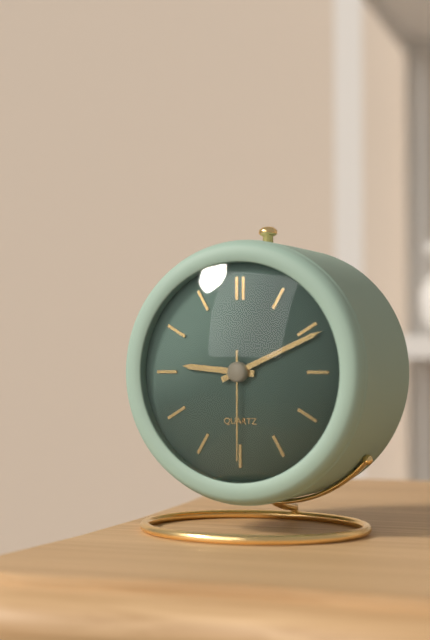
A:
h=9 m=11 s=30
